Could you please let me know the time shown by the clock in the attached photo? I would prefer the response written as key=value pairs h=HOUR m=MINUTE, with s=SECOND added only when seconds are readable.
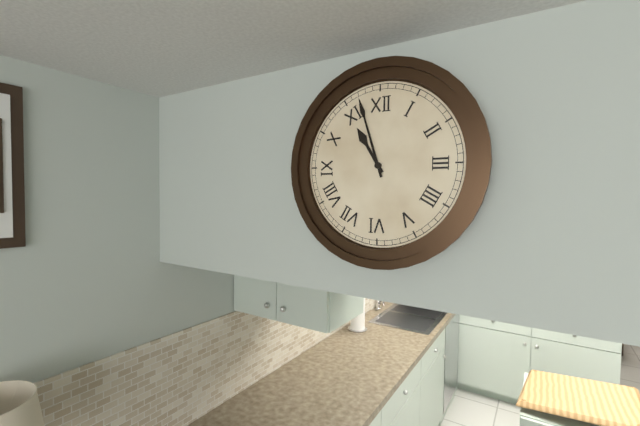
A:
h=10 m=57
